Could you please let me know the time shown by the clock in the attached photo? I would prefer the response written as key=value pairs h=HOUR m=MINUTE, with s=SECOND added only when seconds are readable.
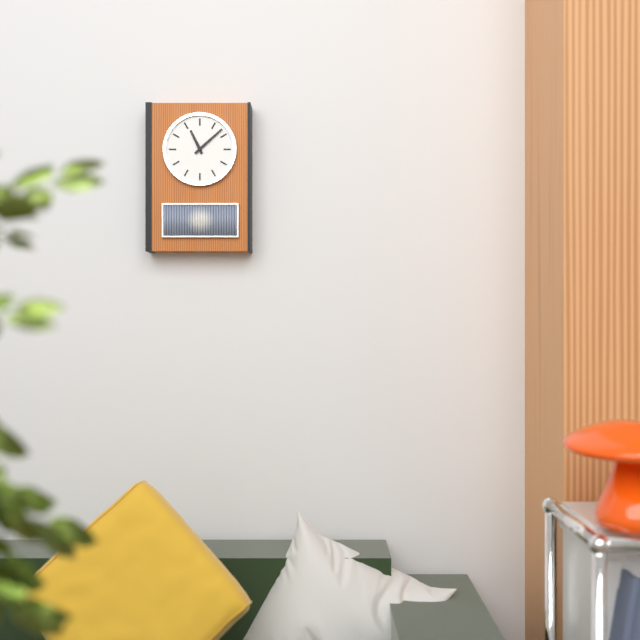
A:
h=11 m=8
